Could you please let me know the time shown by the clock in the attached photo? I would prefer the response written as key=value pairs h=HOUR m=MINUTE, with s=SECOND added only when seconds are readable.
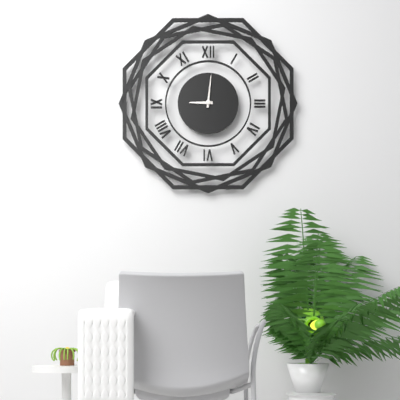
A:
h=9 m=1
